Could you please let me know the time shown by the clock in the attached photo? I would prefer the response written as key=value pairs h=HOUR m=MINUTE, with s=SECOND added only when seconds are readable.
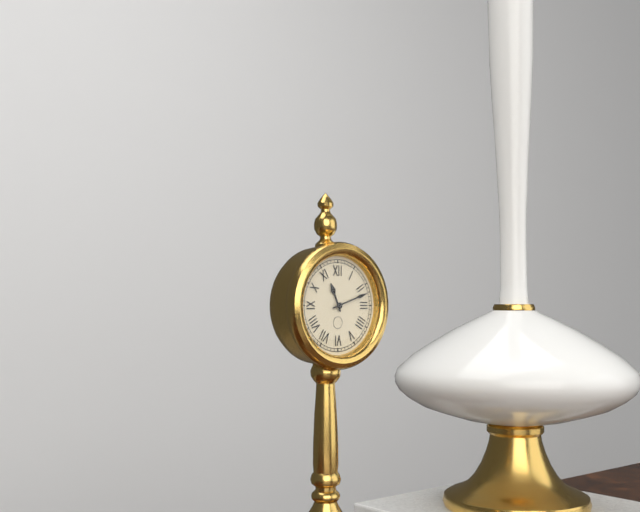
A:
h=11 m=12
